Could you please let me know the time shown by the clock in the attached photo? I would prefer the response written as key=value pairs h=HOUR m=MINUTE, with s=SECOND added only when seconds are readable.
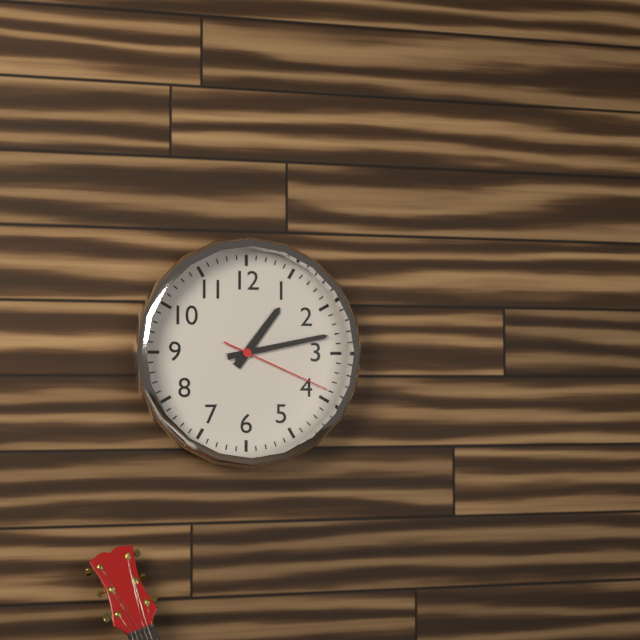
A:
h=1 m=13 s=19
